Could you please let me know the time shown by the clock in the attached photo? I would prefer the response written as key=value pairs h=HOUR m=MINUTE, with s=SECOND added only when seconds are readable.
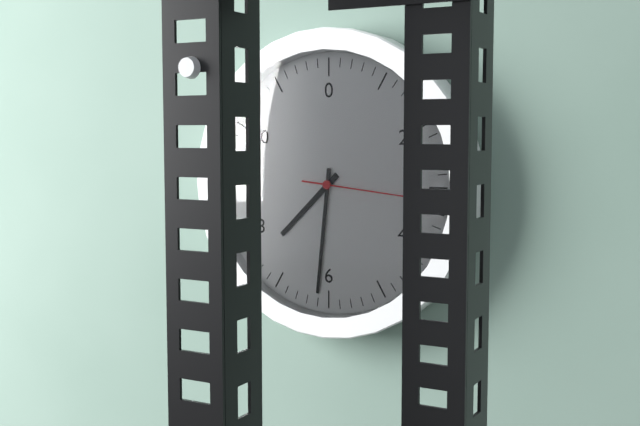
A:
h=7 m=31 s=16
